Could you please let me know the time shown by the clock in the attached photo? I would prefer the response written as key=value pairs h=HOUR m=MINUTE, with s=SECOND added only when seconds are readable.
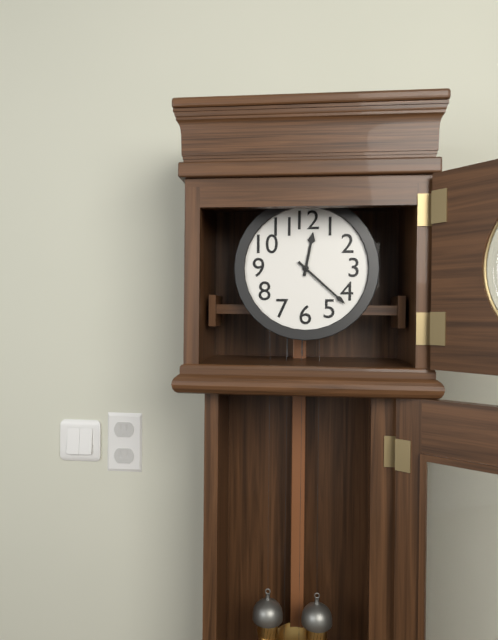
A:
h=12 m=22
